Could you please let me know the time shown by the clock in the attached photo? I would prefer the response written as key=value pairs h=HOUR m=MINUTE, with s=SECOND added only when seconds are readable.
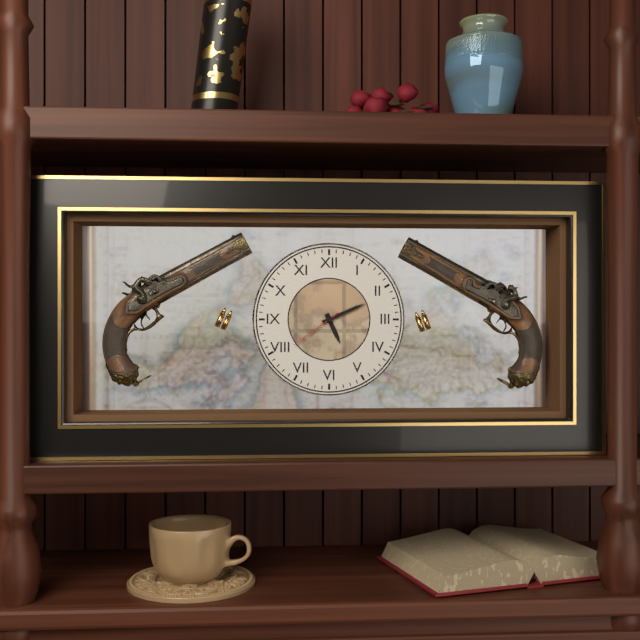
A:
h=5 m=11 s=39
